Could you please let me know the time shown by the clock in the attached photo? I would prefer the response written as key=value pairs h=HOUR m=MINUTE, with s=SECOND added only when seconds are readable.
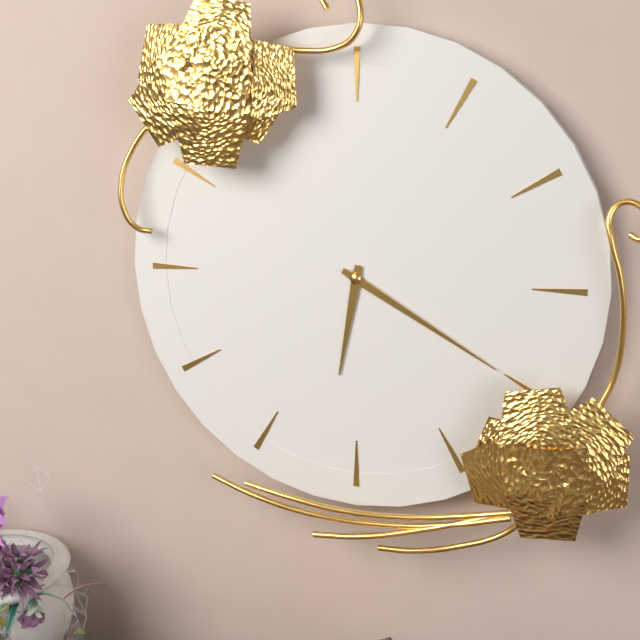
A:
h=6 m=20
